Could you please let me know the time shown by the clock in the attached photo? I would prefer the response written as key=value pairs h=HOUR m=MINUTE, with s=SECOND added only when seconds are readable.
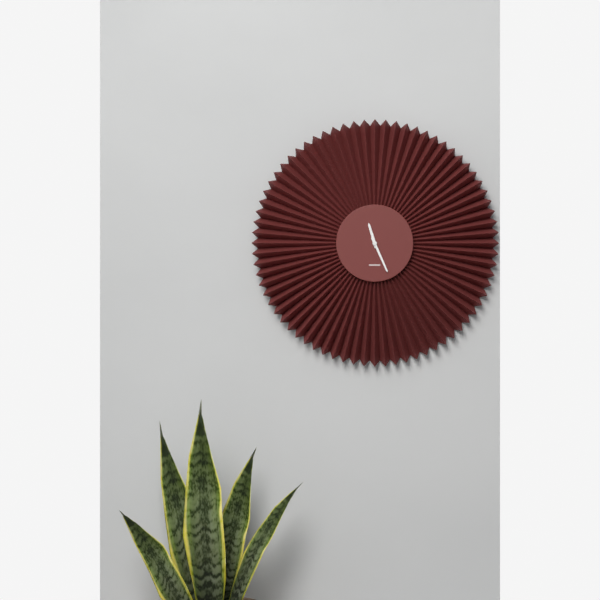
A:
h=11 m=26
